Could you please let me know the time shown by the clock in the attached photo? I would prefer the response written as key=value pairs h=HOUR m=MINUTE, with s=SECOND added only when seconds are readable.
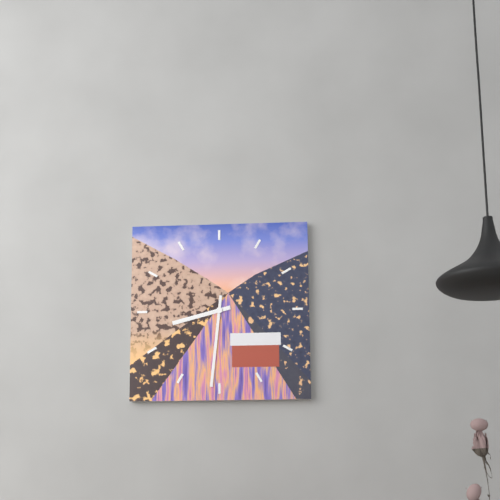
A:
h=8 m=31
